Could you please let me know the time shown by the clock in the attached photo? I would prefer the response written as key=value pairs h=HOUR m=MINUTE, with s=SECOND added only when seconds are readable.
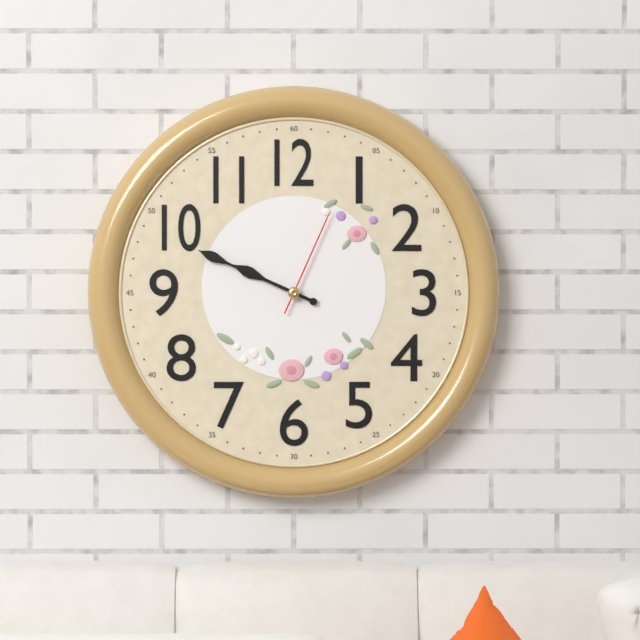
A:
h=9 m=49 s=4
